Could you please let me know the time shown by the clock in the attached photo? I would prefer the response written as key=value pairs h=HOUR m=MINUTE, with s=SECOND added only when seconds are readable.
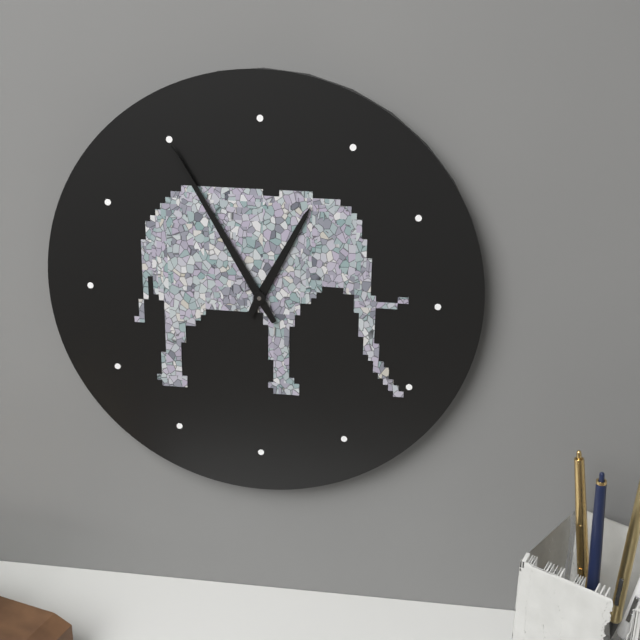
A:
h=12 m=55
